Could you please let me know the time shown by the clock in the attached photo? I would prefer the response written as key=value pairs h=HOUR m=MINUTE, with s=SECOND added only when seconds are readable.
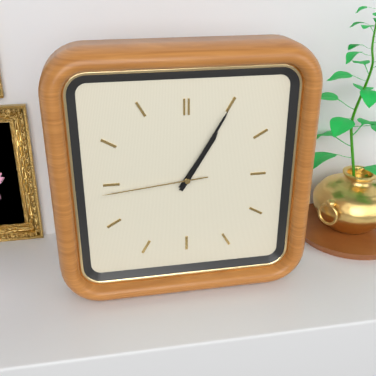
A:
h=1 m=5 s=44
